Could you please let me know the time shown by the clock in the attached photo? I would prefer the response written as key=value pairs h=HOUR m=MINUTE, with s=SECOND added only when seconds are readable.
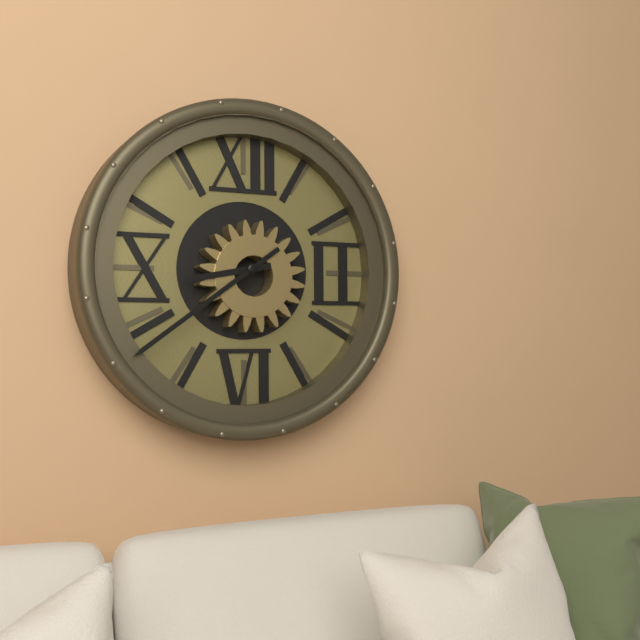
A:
h=8 m=39
